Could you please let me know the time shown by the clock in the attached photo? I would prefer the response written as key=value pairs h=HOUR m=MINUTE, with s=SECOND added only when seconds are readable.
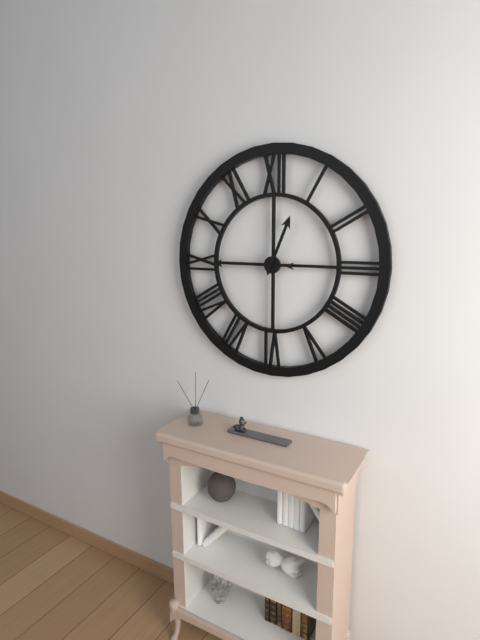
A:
h=12 m=45
